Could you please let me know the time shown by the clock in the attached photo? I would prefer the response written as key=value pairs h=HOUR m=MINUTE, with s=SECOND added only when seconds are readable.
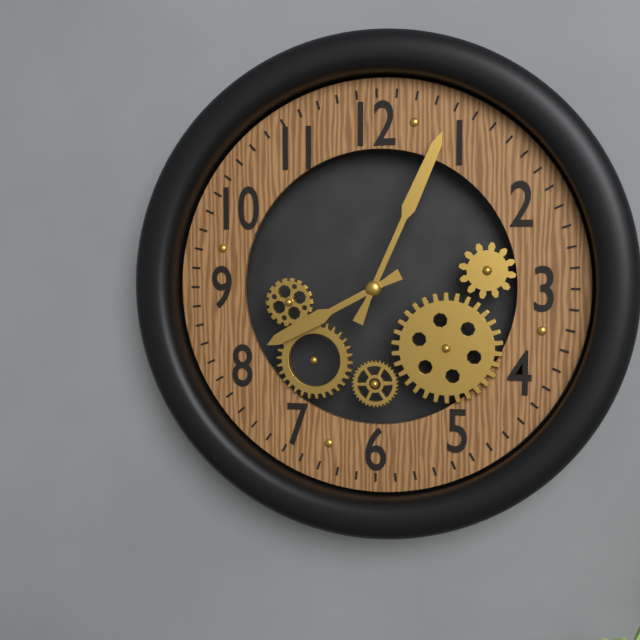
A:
h=8 m=4
